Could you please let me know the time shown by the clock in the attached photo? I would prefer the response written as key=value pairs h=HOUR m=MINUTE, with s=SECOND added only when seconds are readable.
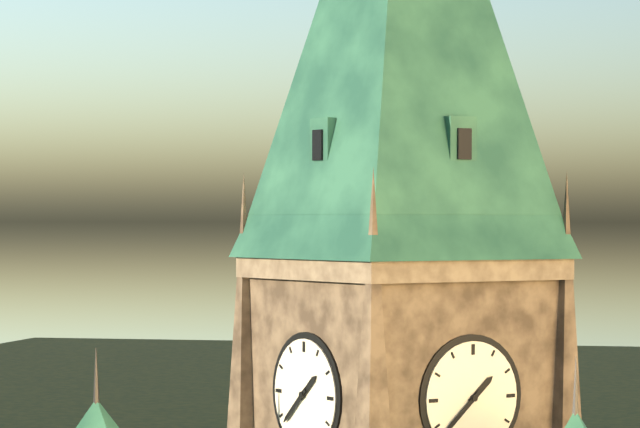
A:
h=1 m=38
